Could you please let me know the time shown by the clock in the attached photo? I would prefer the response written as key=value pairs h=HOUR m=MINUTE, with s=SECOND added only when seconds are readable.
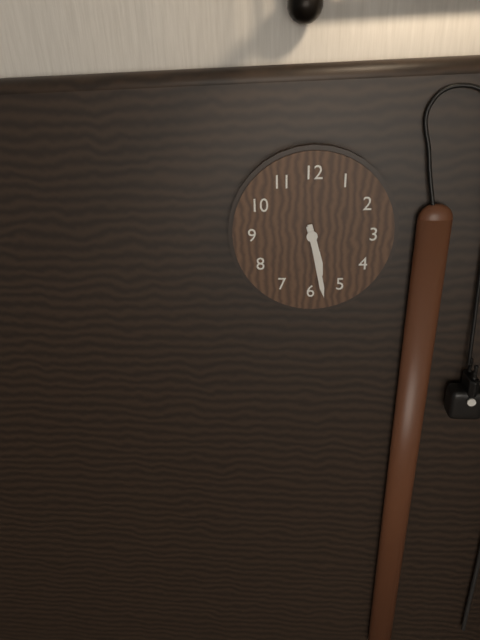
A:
h=5 m=28
